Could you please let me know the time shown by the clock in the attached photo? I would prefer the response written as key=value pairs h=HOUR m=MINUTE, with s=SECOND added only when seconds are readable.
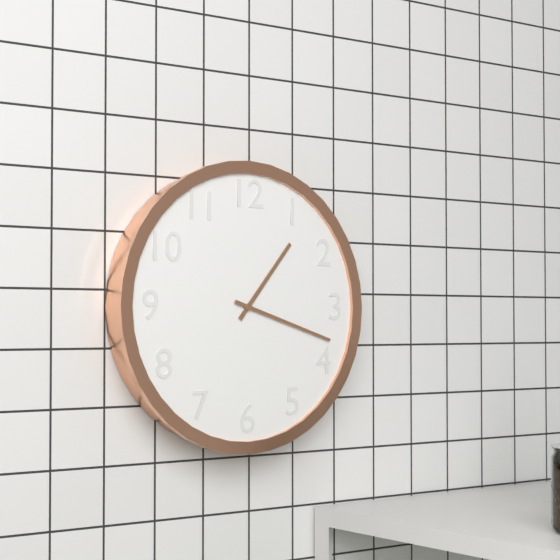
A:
h=1 m=18
